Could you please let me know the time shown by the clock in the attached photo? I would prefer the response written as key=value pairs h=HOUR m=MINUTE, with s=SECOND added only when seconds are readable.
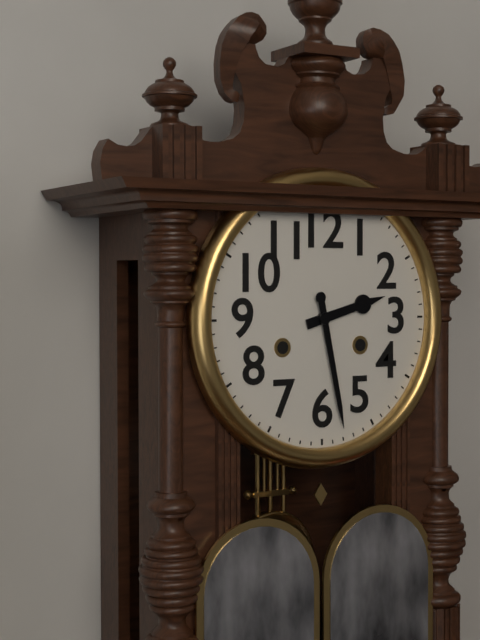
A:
h=2 m=28
